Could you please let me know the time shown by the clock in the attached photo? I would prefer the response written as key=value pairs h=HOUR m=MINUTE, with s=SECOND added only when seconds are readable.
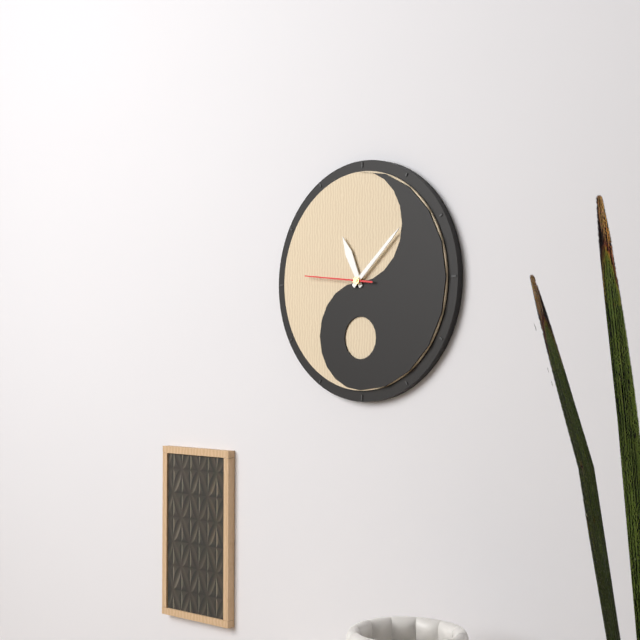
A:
h=11 m=8 s=46
